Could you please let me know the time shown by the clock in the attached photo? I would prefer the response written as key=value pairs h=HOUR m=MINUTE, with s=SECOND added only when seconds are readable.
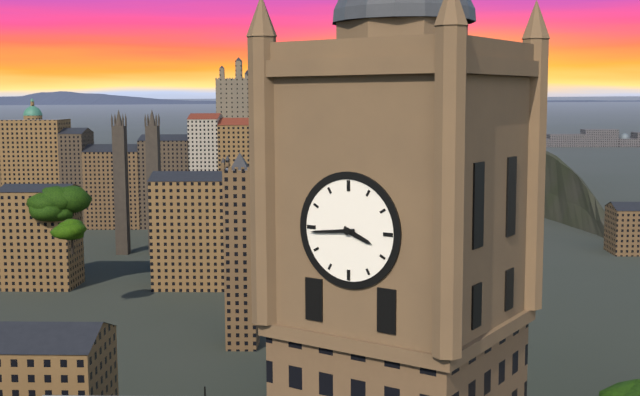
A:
h=3 m=44
